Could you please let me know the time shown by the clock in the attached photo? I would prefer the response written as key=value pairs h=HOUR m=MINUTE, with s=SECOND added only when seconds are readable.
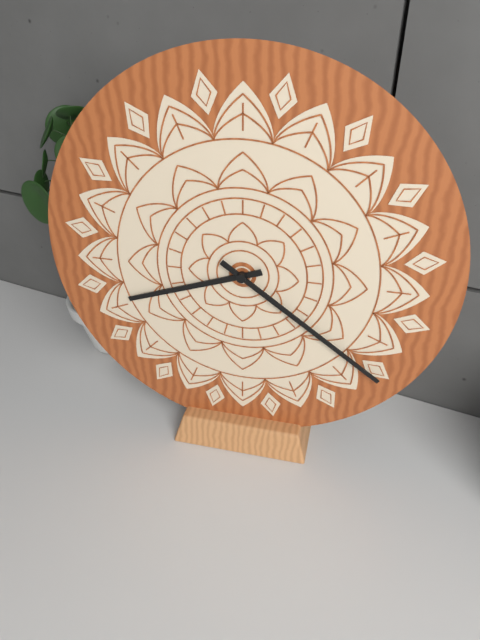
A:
h=8 m=21
